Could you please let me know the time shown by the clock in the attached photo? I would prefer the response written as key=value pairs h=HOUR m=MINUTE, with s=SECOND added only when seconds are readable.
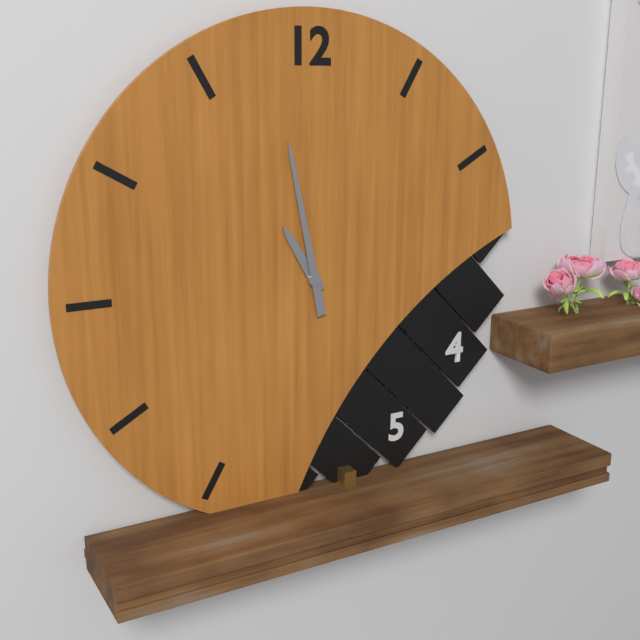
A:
h=10 m=58
